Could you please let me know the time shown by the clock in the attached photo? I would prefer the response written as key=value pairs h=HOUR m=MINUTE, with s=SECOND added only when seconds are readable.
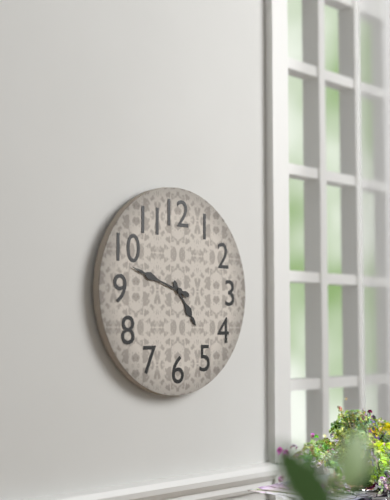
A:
h=4 m=48
